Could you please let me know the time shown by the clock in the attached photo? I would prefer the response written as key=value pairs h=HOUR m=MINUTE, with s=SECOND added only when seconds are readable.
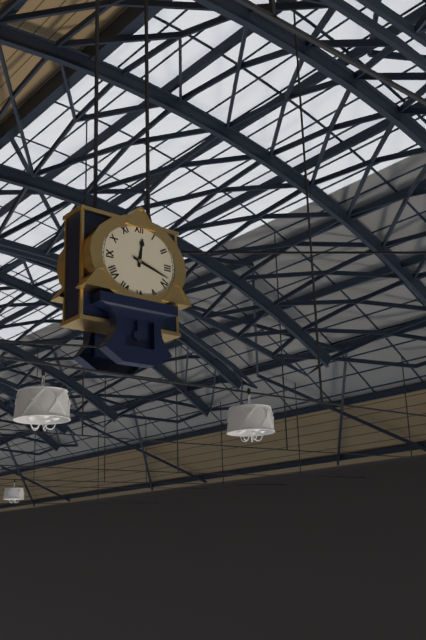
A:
h=12 m=18
